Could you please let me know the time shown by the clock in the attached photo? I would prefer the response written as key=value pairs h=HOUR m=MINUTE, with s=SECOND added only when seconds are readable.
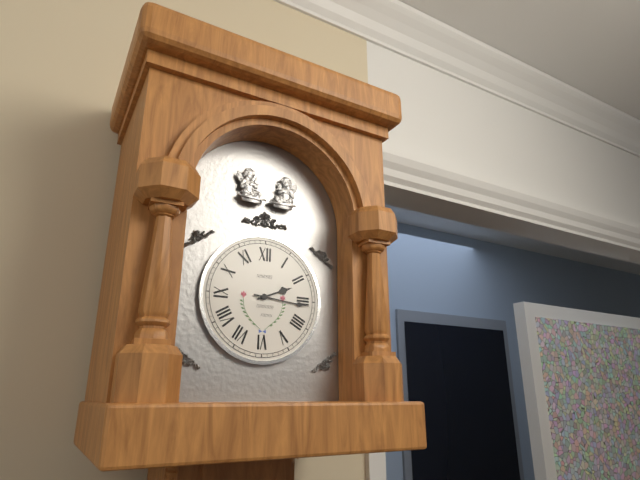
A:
h=2 m=16
